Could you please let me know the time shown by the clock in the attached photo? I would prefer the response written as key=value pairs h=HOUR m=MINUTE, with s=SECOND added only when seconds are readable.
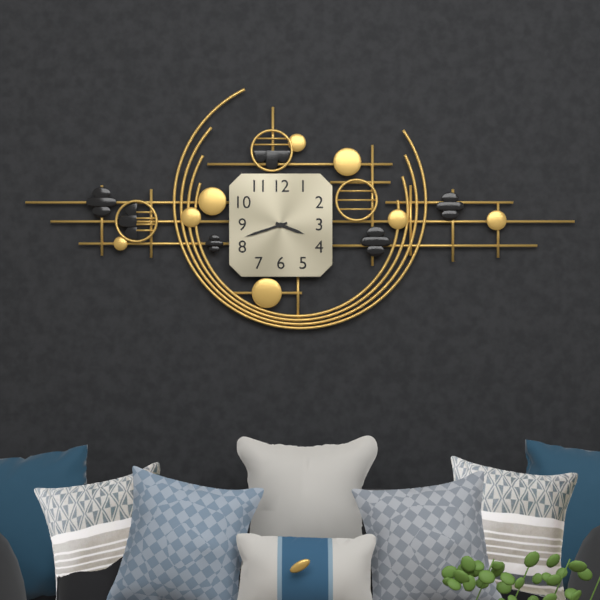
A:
h=3 m=42
